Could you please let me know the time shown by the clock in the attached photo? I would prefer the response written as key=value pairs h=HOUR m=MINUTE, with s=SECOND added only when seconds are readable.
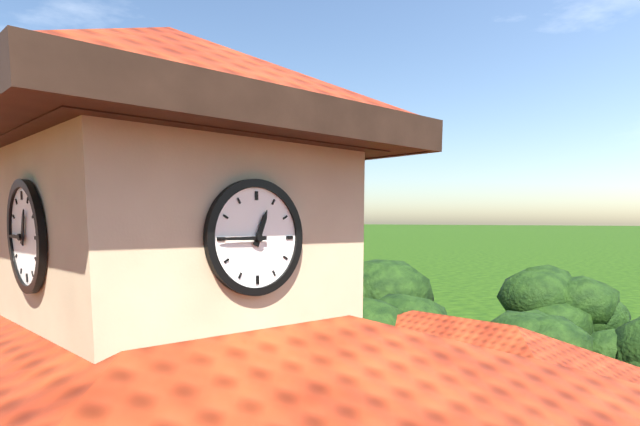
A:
h=12 m=45
